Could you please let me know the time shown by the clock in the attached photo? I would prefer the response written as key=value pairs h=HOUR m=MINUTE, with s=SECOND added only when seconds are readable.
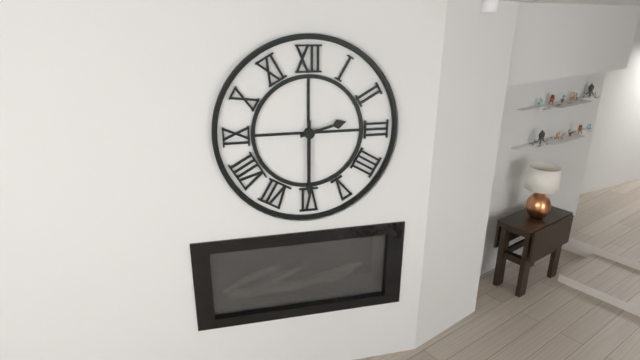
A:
h=2 m=30
